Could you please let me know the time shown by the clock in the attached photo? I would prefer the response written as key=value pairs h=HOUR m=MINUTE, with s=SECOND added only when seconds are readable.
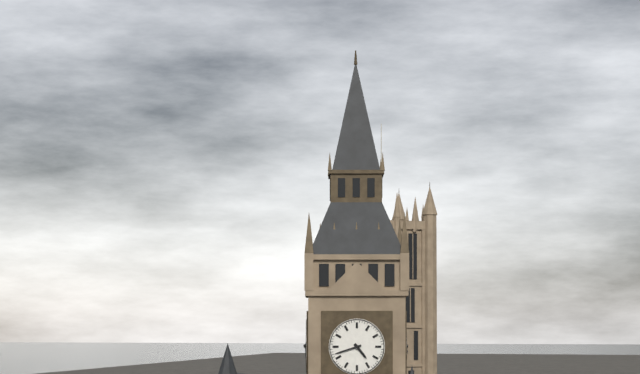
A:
h=4 m=42
